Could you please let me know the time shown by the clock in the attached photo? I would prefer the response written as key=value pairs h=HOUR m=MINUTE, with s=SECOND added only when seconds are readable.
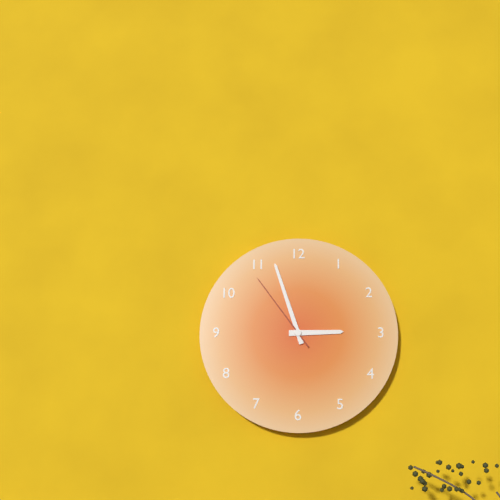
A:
h=2 m=57 s=54
